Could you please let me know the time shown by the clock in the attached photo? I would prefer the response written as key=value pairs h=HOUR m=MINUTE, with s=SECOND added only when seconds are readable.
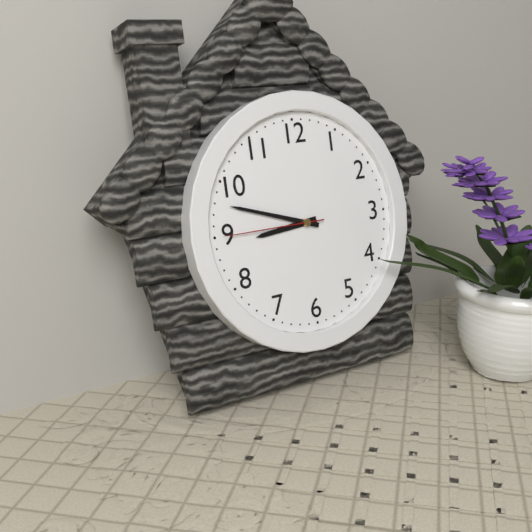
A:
h=8 m=48 s=45
